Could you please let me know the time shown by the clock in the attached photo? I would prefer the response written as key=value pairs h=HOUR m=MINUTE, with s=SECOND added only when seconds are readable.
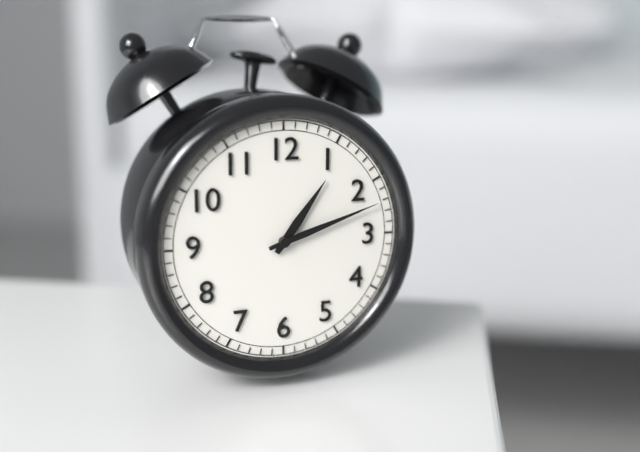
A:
h=1 m=12
